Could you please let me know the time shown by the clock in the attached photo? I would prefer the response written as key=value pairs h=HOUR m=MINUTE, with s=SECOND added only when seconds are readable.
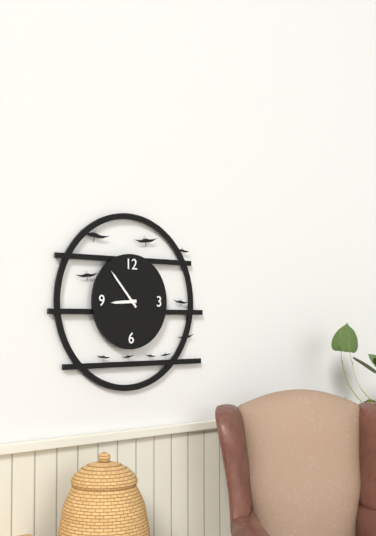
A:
h=8 m=53
